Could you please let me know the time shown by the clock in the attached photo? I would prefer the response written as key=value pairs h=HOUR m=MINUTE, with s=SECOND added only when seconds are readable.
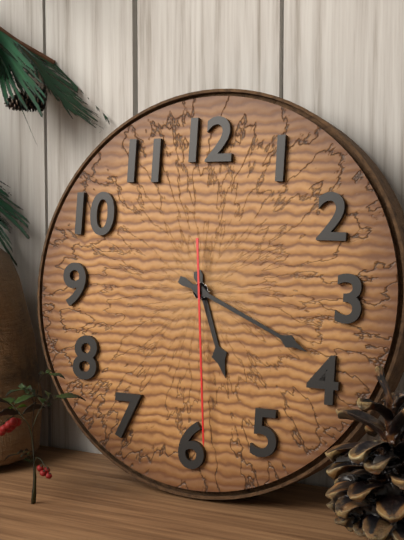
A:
h=5 m=19 s=29
